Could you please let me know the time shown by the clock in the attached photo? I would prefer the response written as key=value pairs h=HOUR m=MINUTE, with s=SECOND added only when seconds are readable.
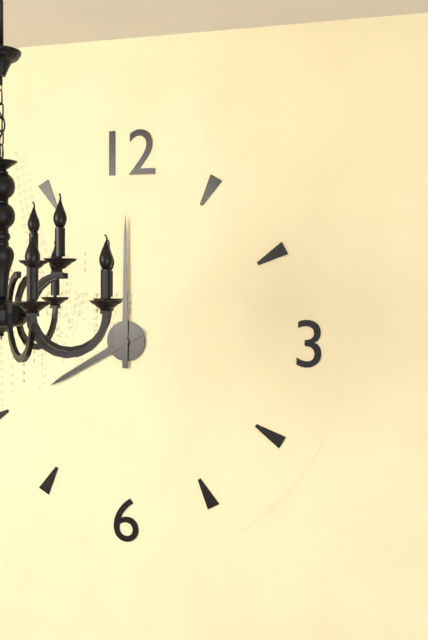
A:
h=8 m=0
